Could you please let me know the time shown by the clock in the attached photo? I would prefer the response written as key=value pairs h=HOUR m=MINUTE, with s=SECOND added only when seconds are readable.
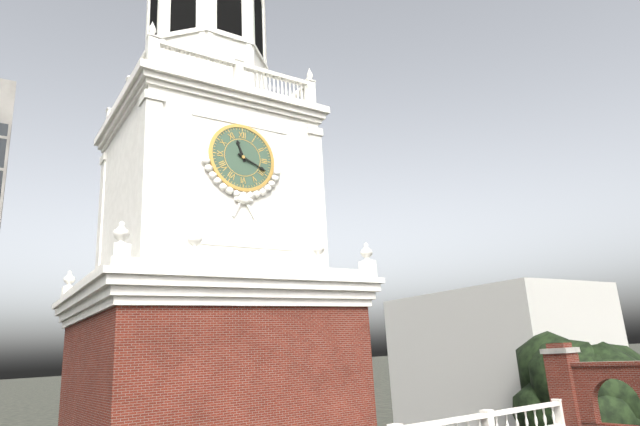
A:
h=11 m=19
